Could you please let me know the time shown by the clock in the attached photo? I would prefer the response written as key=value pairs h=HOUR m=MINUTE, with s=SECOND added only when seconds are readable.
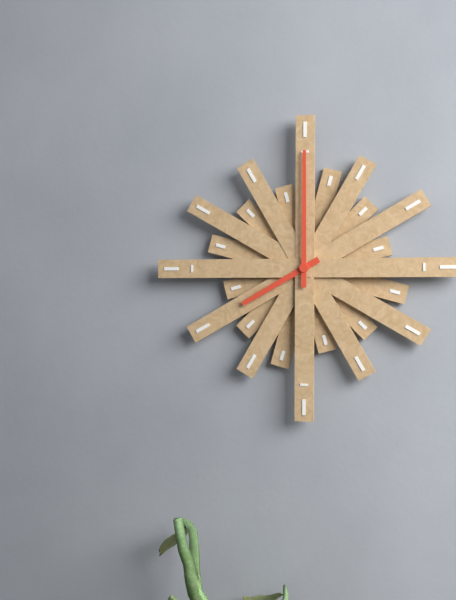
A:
h=8 m=0
